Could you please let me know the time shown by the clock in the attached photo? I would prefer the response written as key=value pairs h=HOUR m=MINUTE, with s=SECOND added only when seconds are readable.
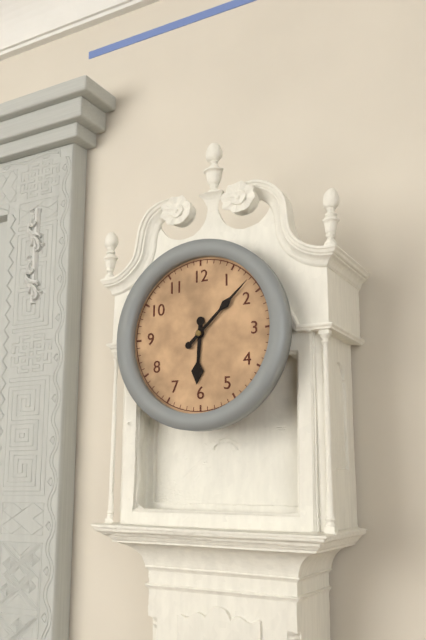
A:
h=6 m=8
